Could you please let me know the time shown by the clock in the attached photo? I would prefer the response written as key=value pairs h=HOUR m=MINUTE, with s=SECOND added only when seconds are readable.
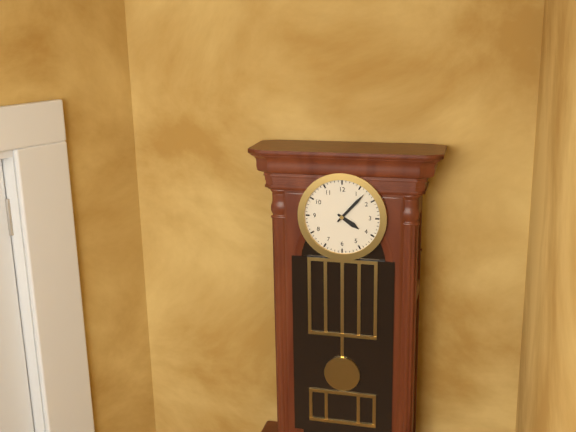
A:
h=4 m=7
